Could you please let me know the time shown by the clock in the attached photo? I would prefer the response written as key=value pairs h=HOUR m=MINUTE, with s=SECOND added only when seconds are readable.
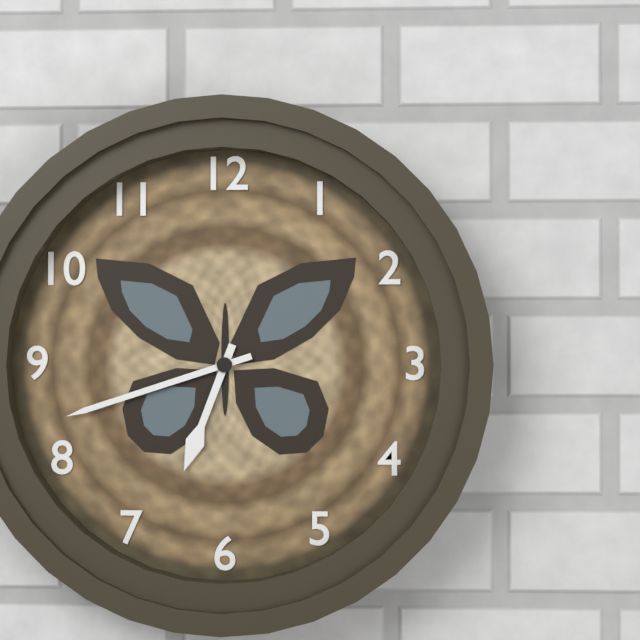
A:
h=6 m=42
